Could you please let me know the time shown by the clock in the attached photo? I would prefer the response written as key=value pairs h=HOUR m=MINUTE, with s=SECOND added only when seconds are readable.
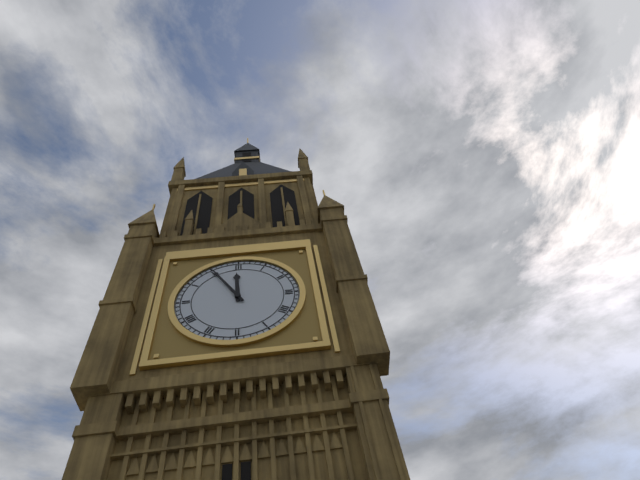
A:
h=11 m=55
